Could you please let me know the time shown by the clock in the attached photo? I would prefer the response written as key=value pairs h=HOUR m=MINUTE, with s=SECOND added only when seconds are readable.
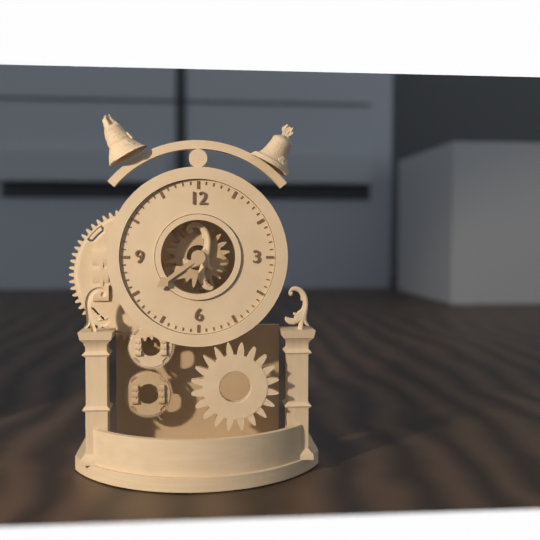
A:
h=7 m=39
